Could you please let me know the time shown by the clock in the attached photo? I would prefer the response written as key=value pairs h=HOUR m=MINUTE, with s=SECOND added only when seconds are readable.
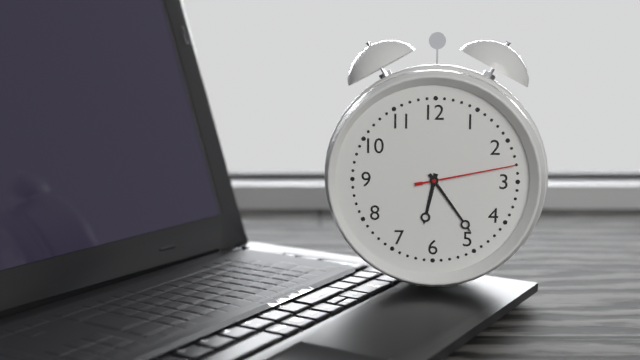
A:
h=6 m=24 s=13
